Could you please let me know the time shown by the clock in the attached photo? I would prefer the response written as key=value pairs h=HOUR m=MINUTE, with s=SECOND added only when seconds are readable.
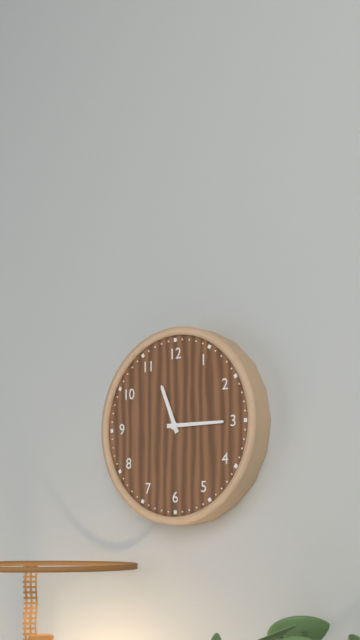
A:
h=11 m=15
